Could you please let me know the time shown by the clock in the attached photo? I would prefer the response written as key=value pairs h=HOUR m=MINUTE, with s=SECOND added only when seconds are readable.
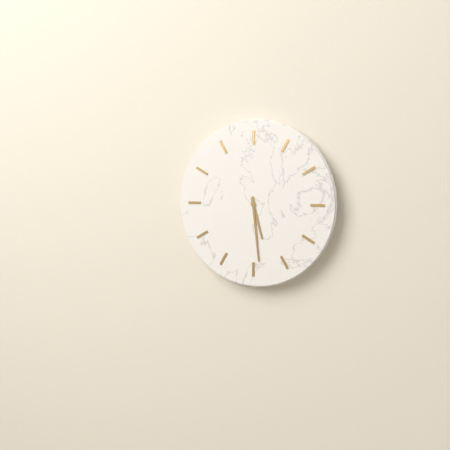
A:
h=5 m=29
